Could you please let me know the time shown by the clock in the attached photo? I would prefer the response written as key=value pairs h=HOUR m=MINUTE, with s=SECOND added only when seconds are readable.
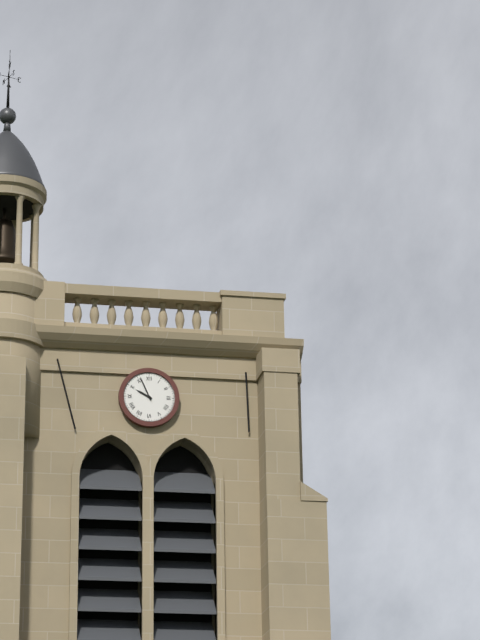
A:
h=9 m=56
